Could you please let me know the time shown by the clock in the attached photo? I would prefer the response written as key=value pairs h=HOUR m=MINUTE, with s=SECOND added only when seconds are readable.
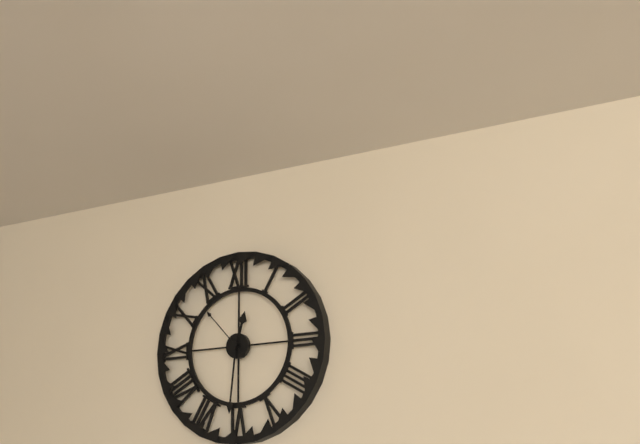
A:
h=12 m=31 s=53
